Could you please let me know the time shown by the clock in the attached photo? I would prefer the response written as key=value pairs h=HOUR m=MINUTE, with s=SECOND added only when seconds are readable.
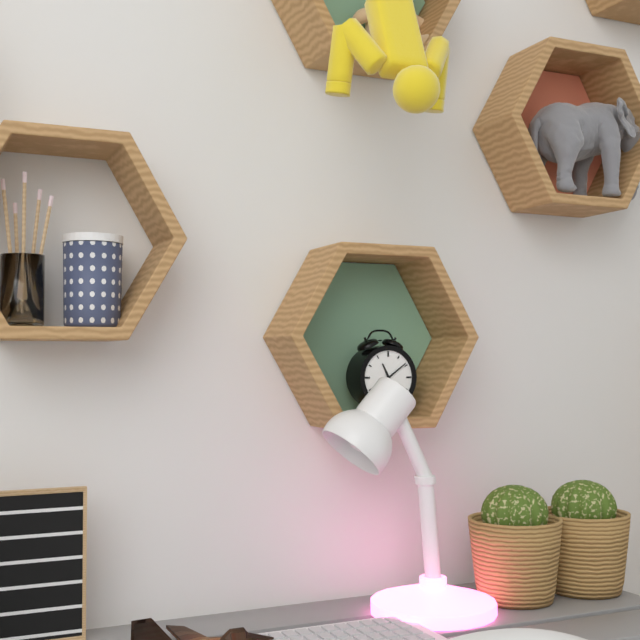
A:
h=11 m=9
